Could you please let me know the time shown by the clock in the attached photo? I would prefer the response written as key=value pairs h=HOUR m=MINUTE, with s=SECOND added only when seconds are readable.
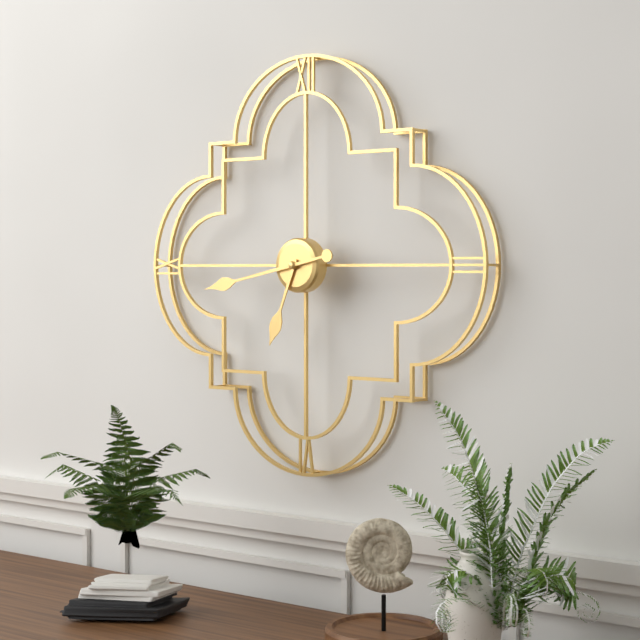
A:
h=6 m=43
